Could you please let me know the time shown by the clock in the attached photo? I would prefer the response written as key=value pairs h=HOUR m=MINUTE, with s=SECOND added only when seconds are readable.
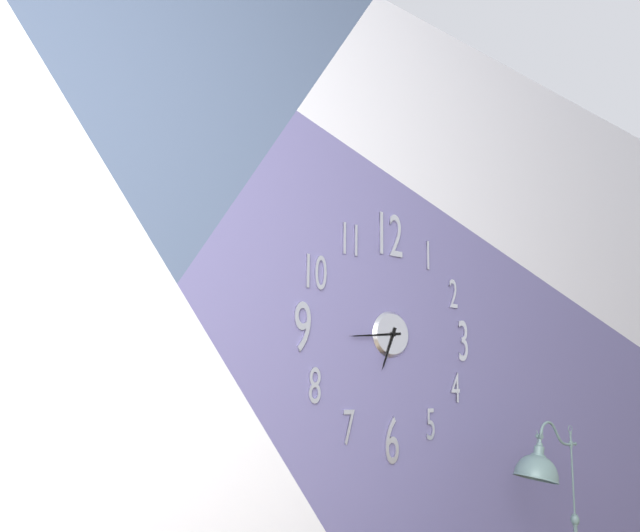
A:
h=6 m=44
